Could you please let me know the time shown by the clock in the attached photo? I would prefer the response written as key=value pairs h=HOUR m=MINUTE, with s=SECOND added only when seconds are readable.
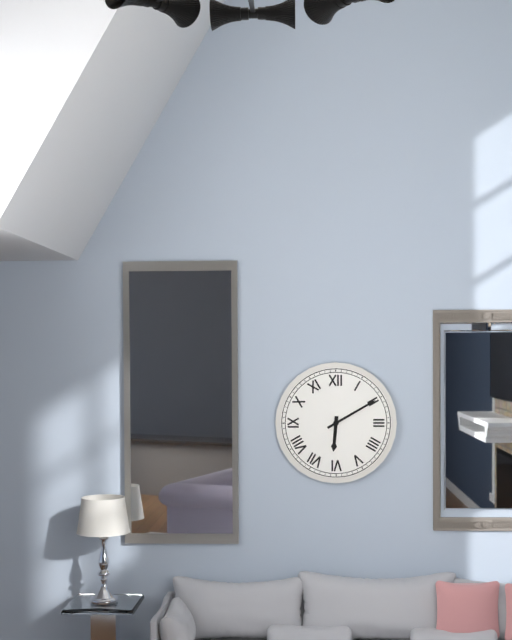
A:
h=6 m=10
